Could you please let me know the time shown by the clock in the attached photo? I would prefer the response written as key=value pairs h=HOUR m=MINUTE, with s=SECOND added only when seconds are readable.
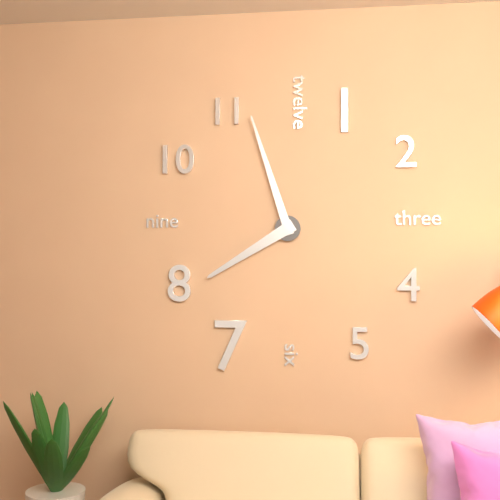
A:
h=7 m=57
